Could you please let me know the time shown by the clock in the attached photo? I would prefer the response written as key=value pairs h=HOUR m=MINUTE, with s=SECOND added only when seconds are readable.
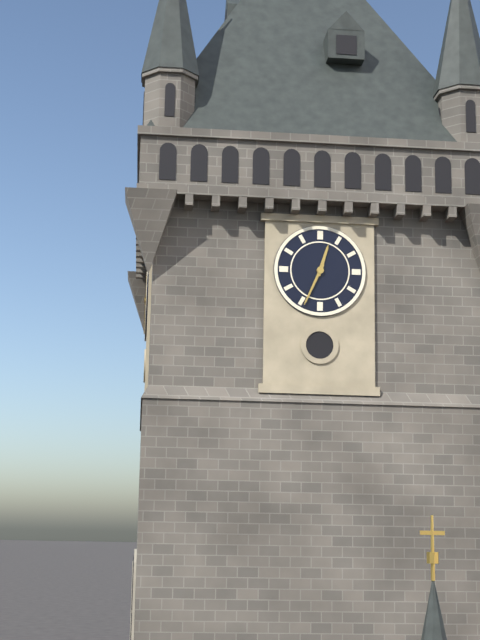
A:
h=12 m=34
